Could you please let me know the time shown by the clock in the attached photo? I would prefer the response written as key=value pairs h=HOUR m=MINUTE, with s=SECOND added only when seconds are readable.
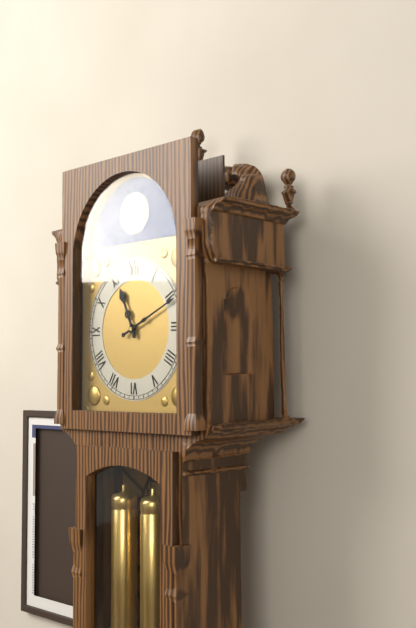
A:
h=11 m=11
